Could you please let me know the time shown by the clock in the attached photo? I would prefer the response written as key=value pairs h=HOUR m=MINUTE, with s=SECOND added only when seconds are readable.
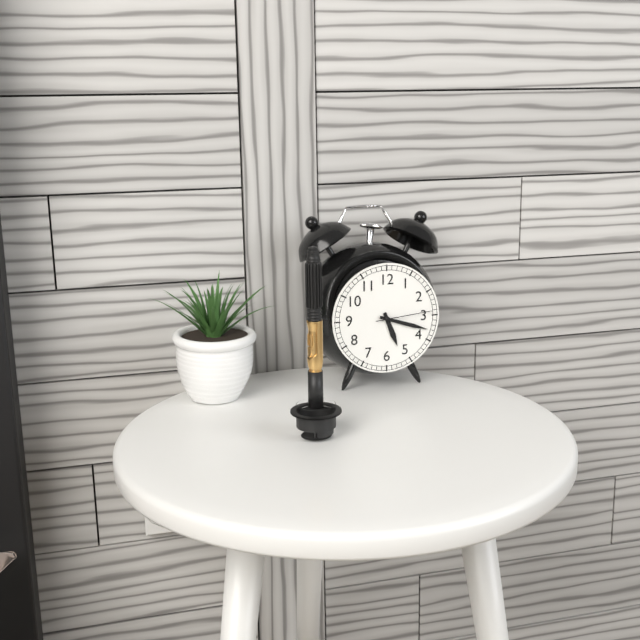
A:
h=5 m=18 s=14
